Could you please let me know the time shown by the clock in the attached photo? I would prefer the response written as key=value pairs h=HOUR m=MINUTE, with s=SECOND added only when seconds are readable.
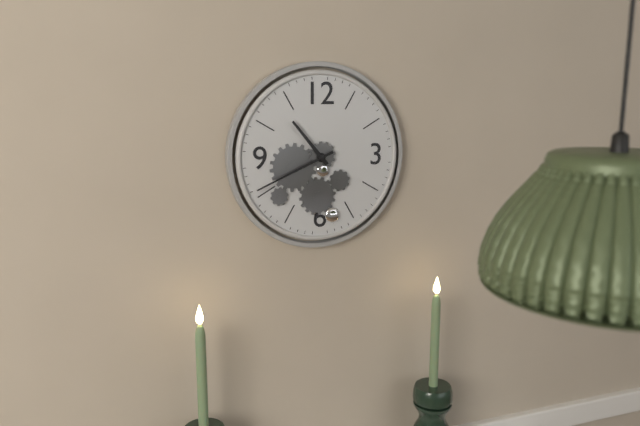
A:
h=10 m=41
